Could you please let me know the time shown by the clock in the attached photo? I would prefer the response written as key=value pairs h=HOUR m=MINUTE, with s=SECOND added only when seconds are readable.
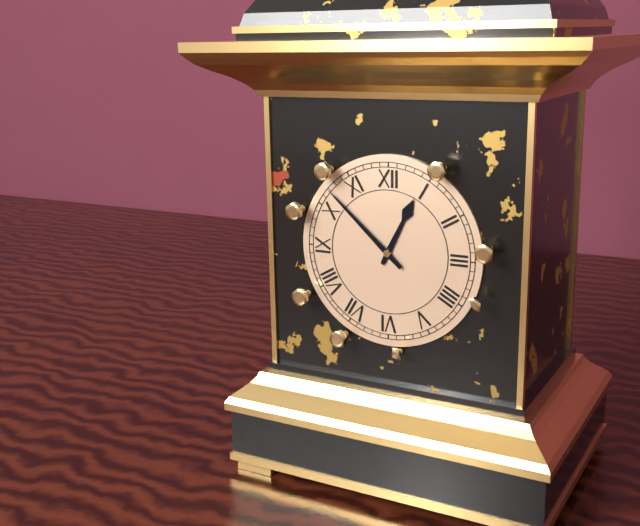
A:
h=12 m=52
